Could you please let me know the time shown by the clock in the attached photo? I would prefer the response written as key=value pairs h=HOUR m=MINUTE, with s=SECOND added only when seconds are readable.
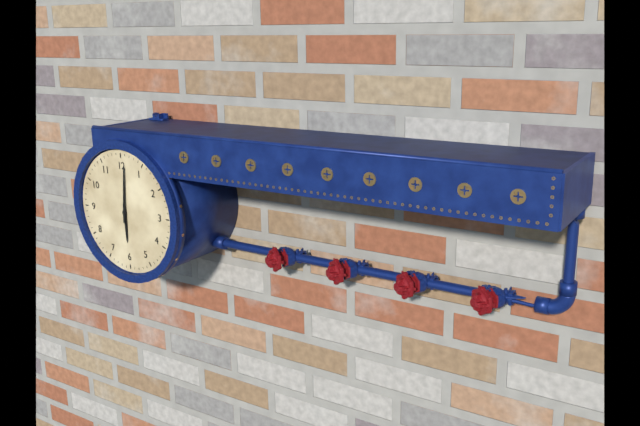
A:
h=6 m=1
